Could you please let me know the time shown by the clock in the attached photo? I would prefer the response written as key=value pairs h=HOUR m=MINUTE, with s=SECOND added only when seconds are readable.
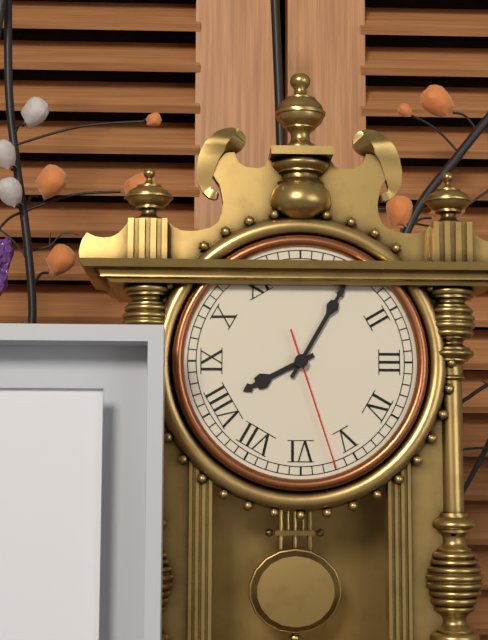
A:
h=8 m=5 s=27
